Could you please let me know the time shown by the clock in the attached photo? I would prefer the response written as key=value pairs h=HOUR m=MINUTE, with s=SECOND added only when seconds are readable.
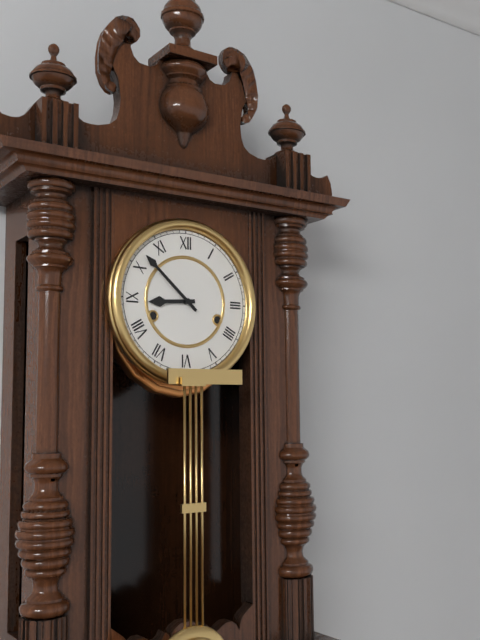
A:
h=8 m=52
